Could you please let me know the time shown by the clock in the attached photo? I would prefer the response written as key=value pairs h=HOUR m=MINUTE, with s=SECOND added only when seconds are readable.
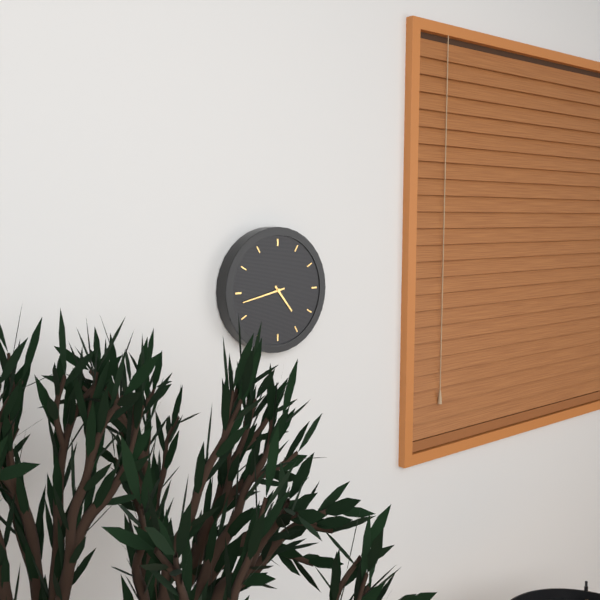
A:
h=4 m=43
